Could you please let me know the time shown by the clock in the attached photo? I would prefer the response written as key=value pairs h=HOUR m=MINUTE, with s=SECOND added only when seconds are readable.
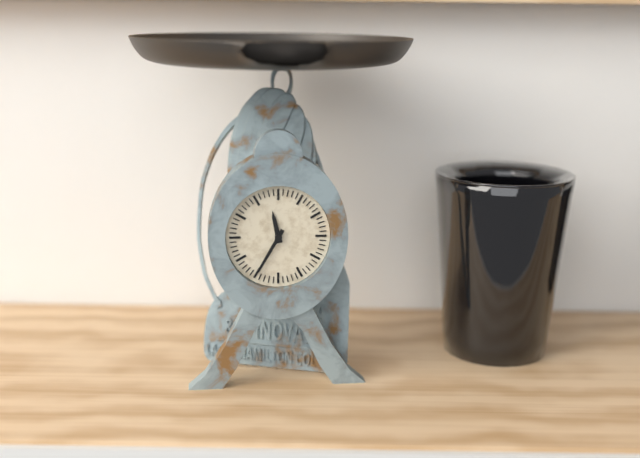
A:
h=11 m=35
